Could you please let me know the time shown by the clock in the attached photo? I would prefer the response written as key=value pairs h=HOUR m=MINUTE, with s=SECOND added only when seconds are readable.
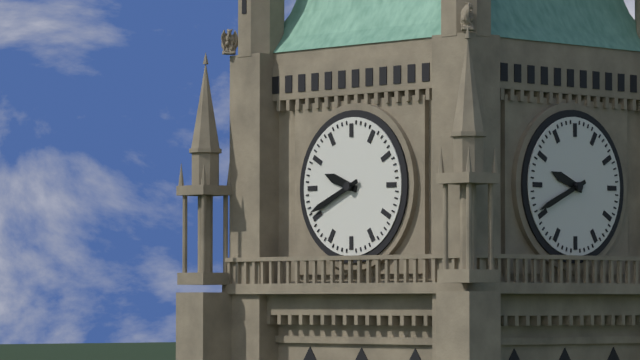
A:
h=9 m=41
